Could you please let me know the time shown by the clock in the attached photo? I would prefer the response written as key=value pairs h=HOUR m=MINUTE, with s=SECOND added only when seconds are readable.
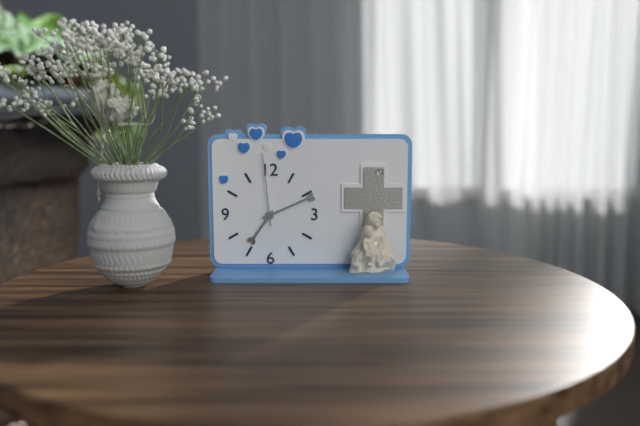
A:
h=7 m=11 s=59
